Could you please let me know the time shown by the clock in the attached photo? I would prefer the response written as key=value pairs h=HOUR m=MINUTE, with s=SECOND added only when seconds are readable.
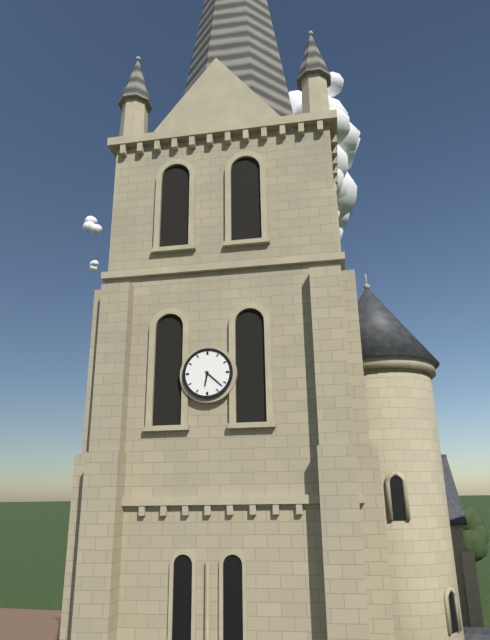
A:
h=6 m=22
